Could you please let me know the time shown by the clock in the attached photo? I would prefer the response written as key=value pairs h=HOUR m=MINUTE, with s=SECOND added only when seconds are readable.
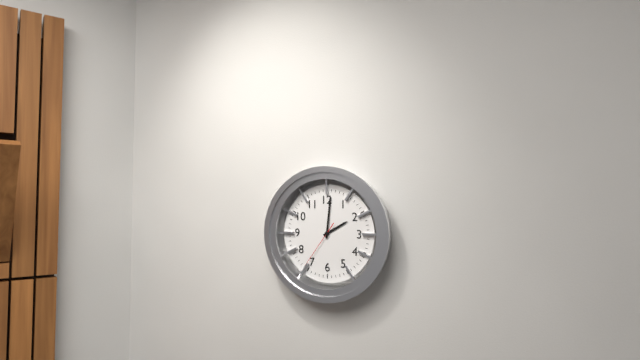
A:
h=2 m=1
